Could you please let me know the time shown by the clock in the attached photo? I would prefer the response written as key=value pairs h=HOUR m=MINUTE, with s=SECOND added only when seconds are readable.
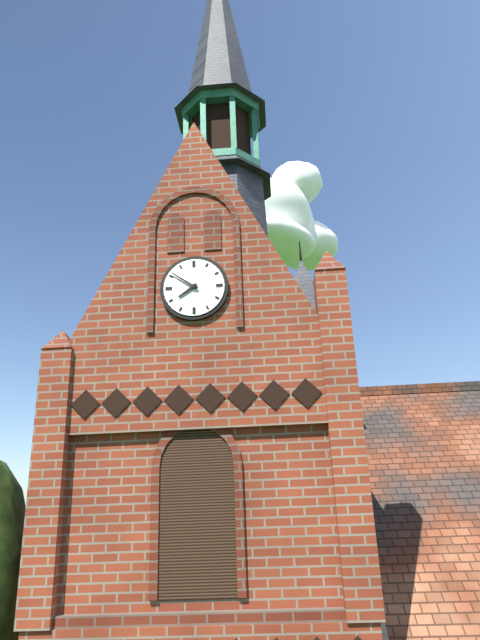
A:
h=7 m=51
